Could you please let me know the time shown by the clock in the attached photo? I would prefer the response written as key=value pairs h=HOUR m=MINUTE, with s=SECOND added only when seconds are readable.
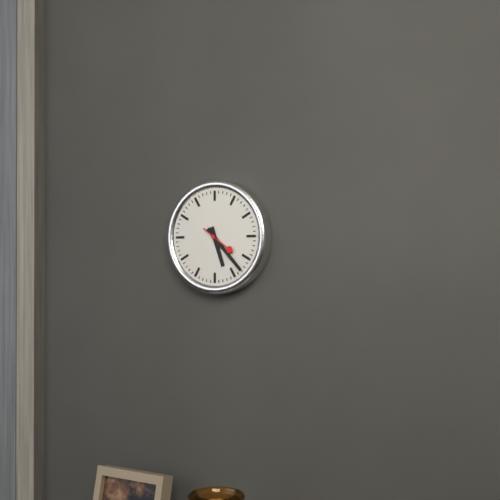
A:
h=5 m=23
